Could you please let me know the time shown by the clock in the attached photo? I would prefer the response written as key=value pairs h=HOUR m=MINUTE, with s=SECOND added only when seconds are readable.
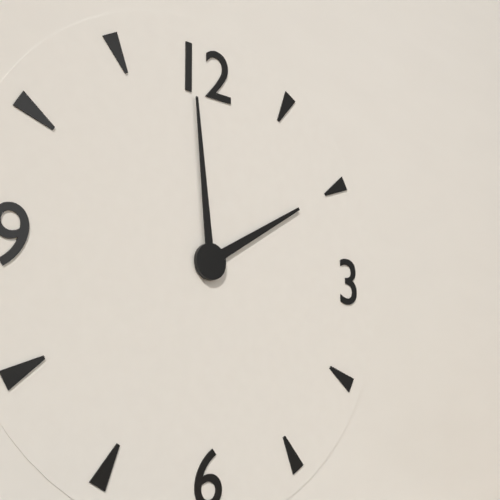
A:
h=1 m=59
